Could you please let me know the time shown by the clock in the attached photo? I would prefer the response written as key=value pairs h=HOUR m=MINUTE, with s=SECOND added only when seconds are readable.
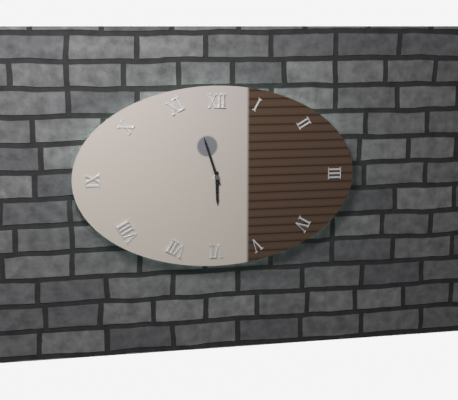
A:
h=5 m=57
